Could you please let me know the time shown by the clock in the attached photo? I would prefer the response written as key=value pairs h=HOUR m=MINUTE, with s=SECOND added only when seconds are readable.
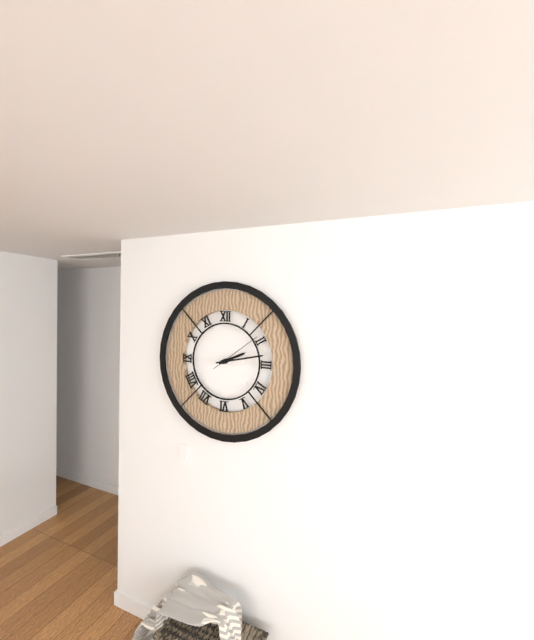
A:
h=2 m=13 s=9
